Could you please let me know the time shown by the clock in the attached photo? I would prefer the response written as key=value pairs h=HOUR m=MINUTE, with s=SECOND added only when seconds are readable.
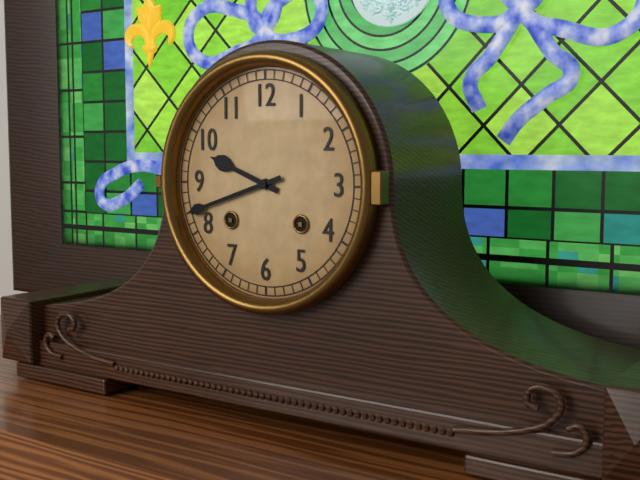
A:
h=9 m=42
